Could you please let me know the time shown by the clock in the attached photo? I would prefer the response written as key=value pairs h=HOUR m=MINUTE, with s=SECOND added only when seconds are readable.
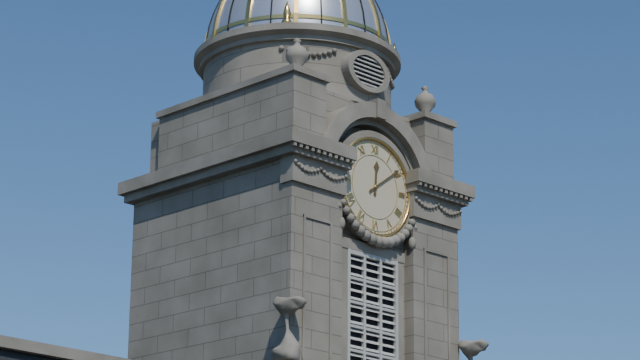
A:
h=12 m=9
